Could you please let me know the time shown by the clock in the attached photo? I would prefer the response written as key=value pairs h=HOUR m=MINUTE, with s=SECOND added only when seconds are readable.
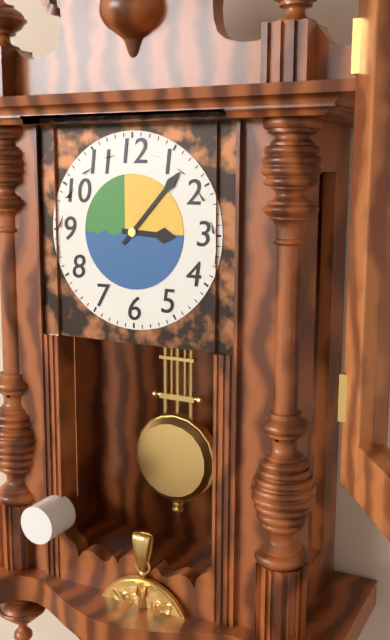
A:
h=3 m=7
